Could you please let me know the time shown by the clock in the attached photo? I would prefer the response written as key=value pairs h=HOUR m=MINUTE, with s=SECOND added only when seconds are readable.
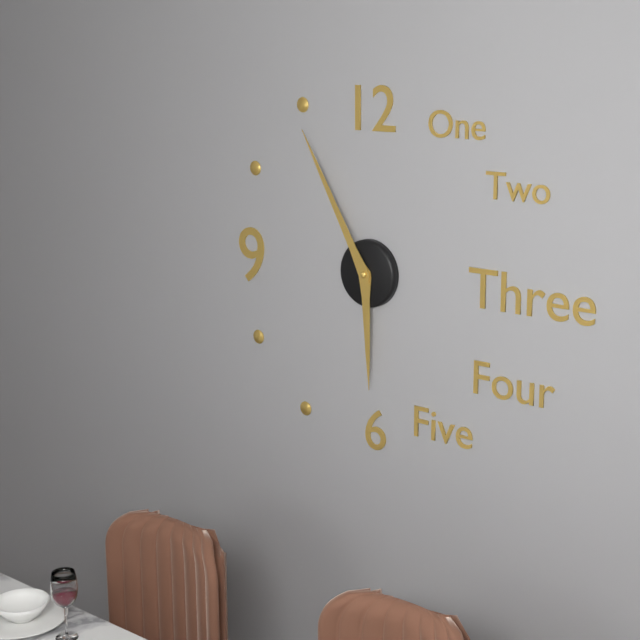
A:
h=5 m=55
